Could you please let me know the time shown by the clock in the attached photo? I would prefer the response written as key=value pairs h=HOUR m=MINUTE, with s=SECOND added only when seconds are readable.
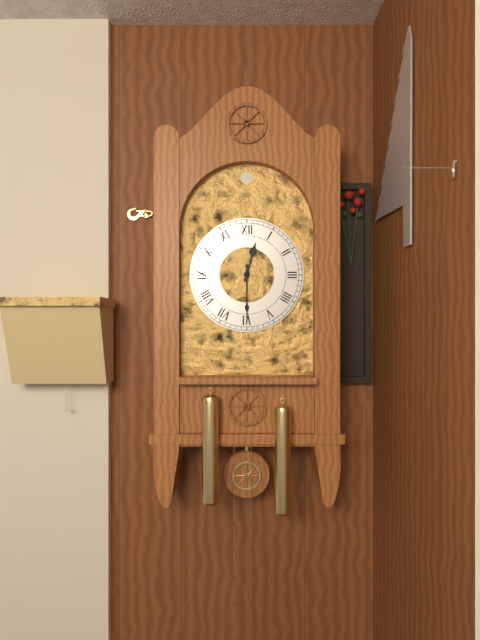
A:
h=12 m=30
